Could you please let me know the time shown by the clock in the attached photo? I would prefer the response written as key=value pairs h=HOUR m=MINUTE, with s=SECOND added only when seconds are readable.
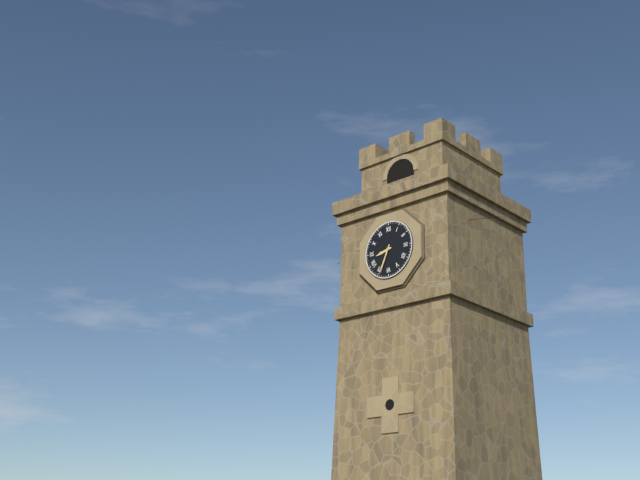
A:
h=8 m=34
